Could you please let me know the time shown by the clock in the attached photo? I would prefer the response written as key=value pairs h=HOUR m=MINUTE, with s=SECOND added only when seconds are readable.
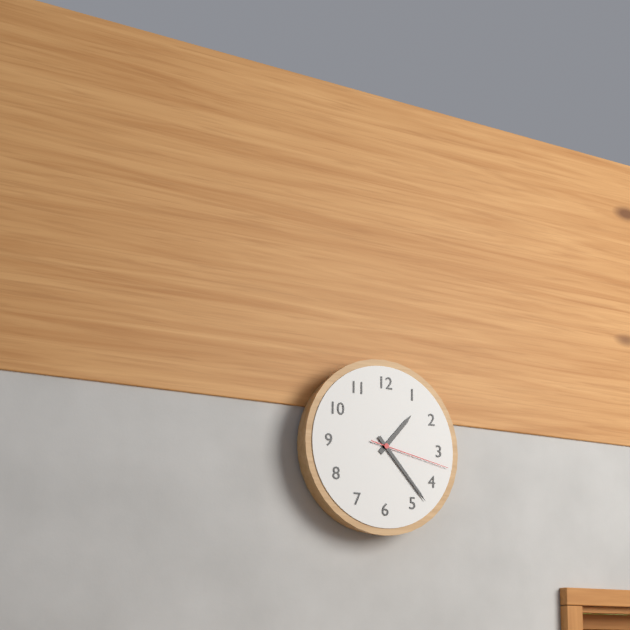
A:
h=1 m=23 s=17
